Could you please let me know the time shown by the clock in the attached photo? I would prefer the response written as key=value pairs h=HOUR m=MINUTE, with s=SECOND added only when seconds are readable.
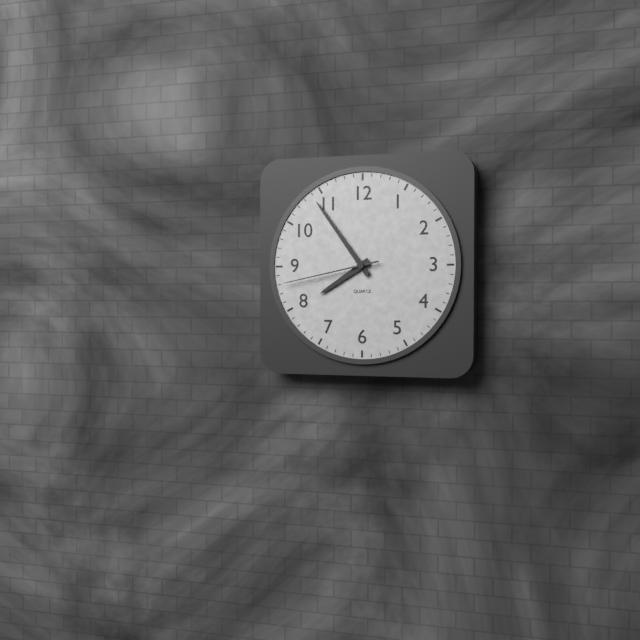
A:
h=7 m=54 s=43
